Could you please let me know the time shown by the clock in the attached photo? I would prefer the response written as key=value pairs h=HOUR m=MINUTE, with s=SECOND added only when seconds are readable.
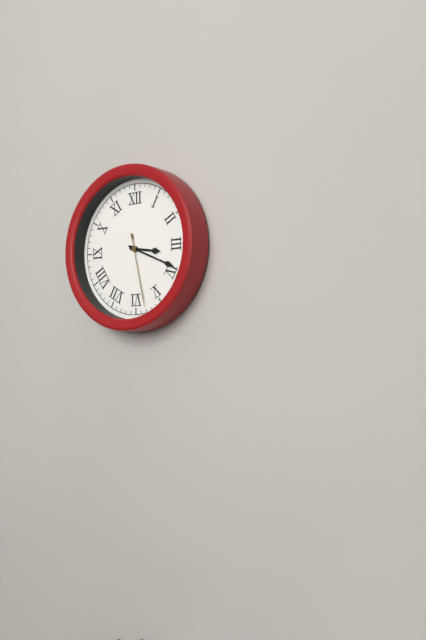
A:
h=3 m=19 s=28
